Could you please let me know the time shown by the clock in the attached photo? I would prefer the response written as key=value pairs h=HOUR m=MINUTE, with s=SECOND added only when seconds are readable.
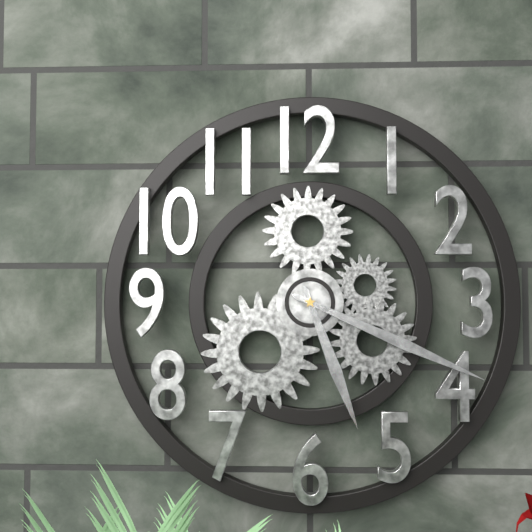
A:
h=5 m=19
